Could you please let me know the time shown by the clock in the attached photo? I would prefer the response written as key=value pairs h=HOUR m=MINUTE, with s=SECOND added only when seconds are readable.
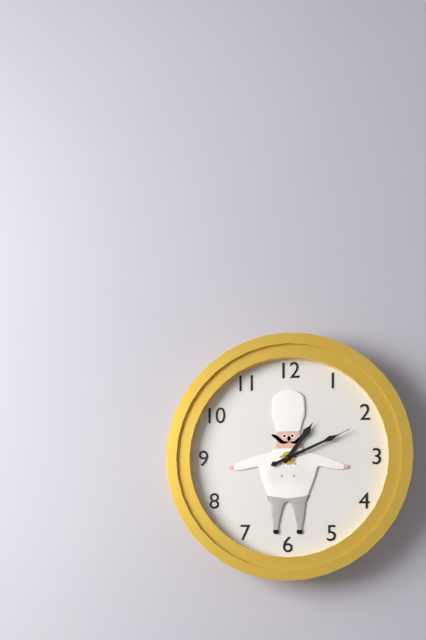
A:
h=1 m=11 s=11
